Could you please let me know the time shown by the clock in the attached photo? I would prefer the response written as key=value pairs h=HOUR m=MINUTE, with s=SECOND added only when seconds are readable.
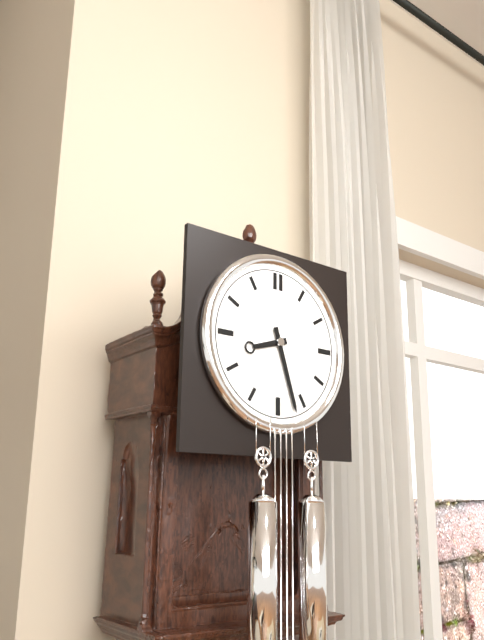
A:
h=8 m=27
